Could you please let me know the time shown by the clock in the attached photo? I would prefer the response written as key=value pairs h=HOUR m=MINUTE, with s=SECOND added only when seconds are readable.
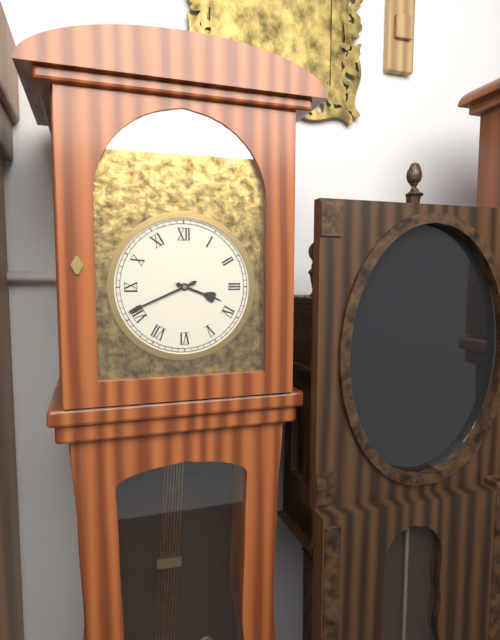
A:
h=3 m=41
